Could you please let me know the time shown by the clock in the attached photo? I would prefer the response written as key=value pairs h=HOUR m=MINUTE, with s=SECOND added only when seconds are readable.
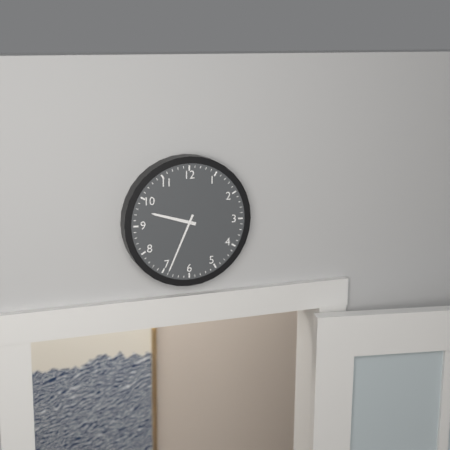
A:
h=9 m=34
